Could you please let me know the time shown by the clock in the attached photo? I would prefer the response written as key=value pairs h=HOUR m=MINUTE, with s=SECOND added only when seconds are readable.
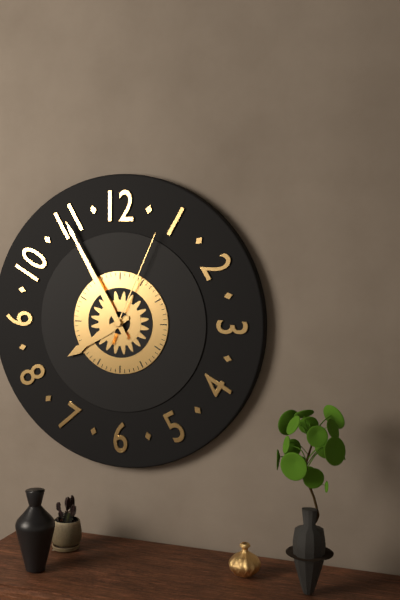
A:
h=7 m=55 s=4
